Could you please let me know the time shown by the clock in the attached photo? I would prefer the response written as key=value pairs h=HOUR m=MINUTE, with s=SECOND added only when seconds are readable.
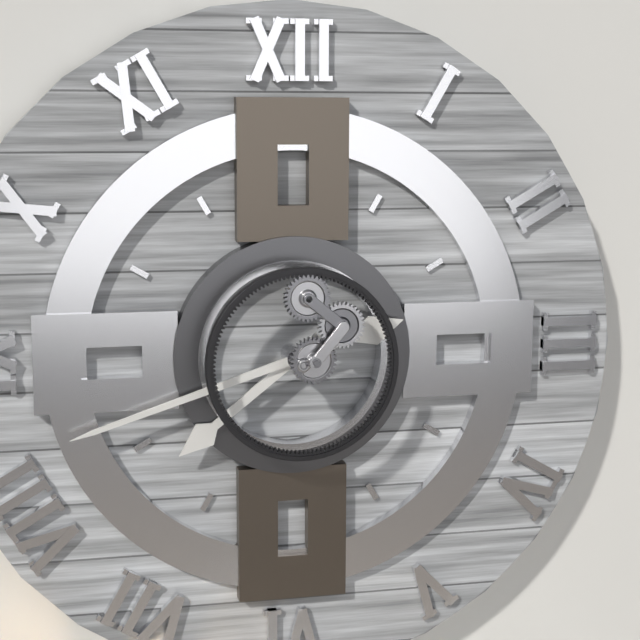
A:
h=7 m=42
